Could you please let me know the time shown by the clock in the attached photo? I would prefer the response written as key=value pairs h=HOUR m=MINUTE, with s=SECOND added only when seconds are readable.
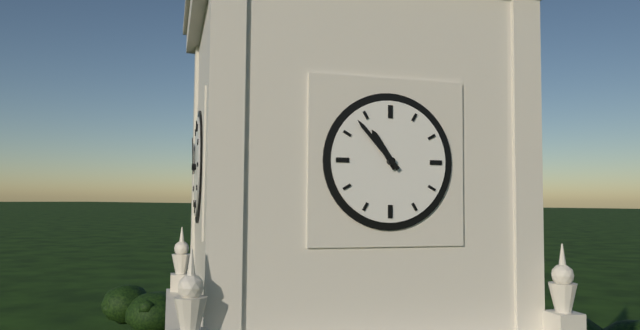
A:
h=10 m=53
